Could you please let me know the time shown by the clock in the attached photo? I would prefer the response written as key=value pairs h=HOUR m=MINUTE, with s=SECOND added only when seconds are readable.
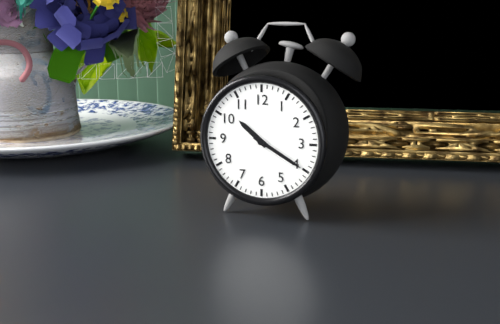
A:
h=10 m=20
